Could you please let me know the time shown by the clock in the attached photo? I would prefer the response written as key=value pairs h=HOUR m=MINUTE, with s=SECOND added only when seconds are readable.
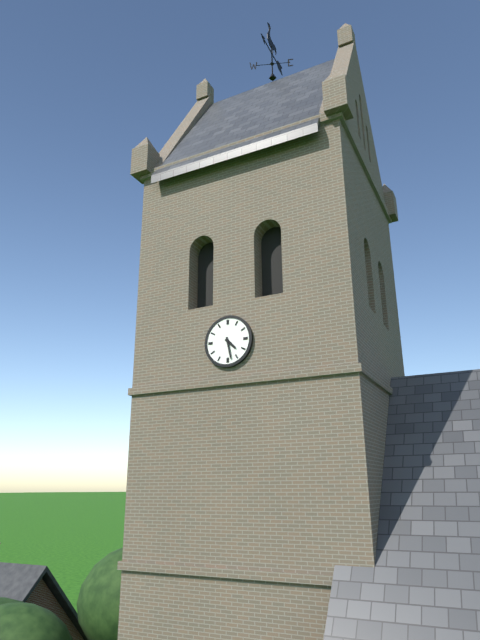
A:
h=4 m=28
